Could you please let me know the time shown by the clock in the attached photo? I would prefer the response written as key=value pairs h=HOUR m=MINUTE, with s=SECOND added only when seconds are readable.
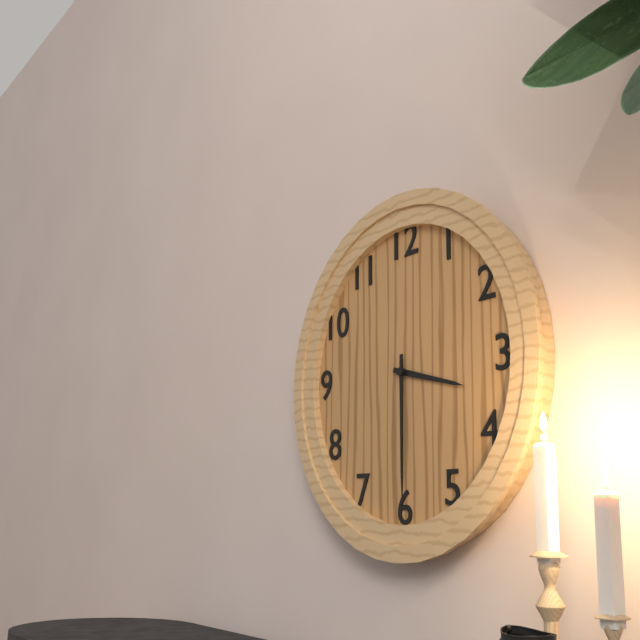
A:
h=3 m=30
